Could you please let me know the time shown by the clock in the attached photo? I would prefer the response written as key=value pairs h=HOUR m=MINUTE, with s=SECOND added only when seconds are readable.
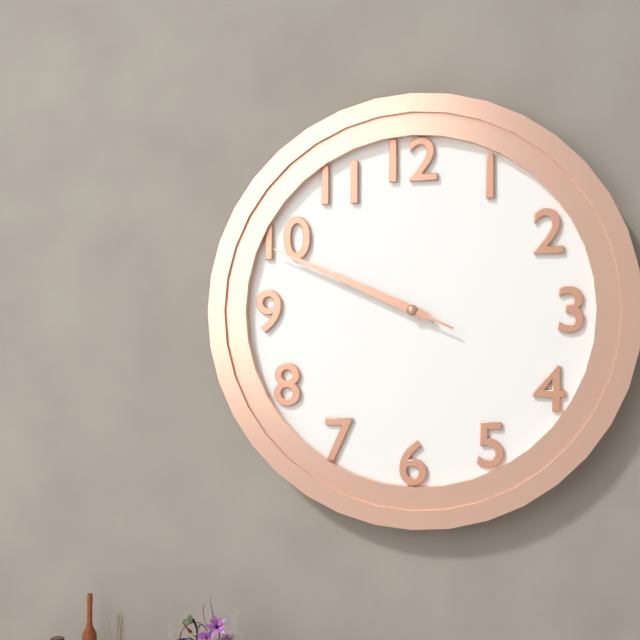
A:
h=9 m=49 s=49
